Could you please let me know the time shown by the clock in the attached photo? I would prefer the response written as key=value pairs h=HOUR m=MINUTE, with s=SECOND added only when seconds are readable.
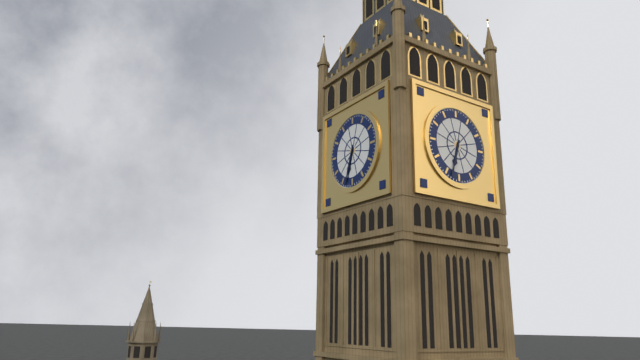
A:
h=6 m=33
